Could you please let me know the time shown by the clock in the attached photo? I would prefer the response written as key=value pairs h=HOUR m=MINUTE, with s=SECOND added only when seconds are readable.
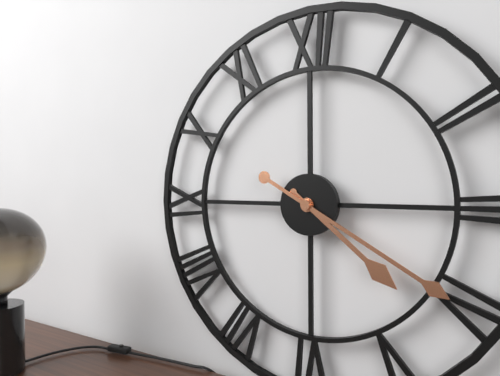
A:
h=4 m=20
